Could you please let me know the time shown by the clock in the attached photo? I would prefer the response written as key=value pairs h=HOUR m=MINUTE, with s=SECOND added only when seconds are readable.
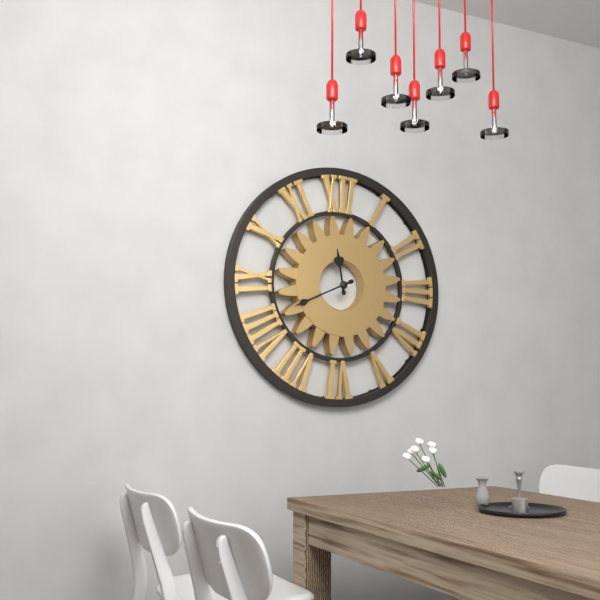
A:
h=11 m=41
